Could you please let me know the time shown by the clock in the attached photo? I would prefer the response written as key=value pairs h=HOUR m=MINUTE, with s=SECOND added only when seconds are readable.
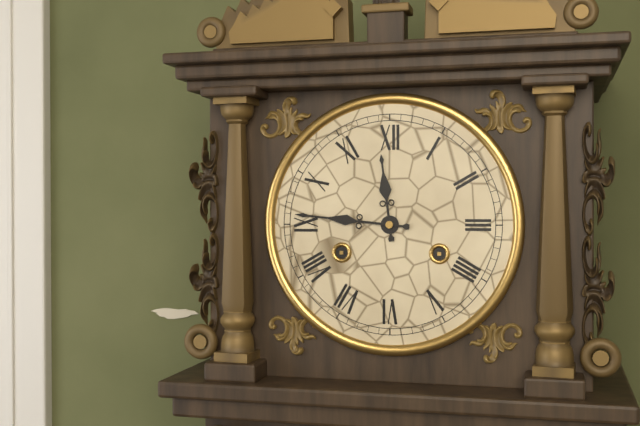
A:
h=11 m=46
